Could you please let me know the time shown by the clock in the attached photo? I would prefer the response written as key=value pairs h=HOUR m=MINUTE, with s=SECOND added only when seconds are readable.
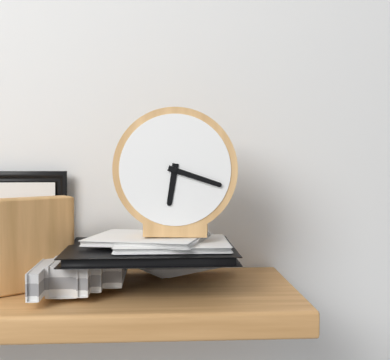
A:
h=6 m=18
